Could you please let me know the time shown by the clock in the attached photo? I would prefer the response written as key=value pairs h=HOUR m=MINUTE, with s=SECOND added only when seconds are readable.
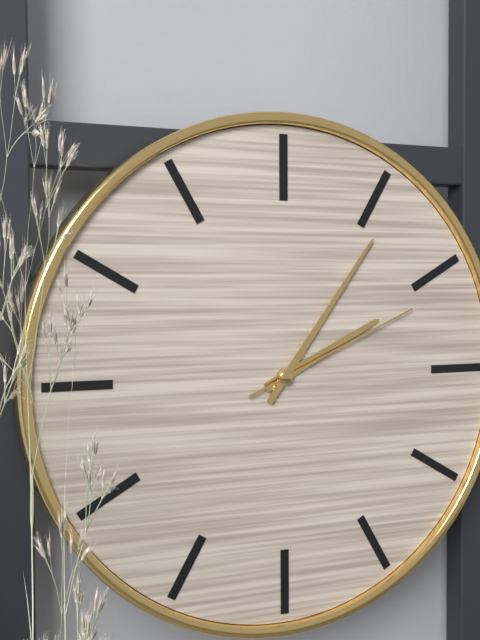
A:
h=2 m=6 s=11
